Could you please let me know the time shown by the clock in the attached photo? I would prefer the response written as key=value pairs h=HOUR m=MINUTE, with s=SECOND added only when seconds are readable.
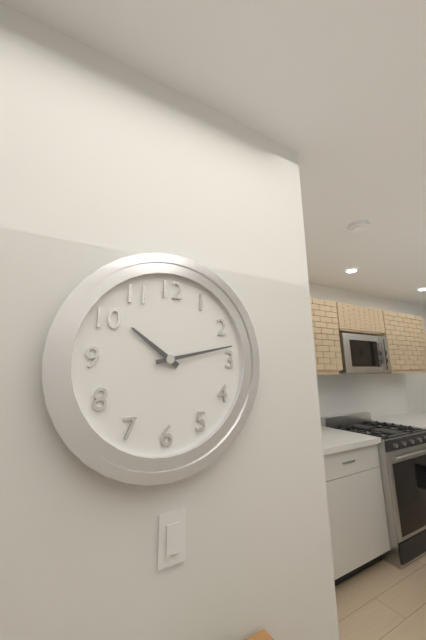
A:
h=10 m=13
